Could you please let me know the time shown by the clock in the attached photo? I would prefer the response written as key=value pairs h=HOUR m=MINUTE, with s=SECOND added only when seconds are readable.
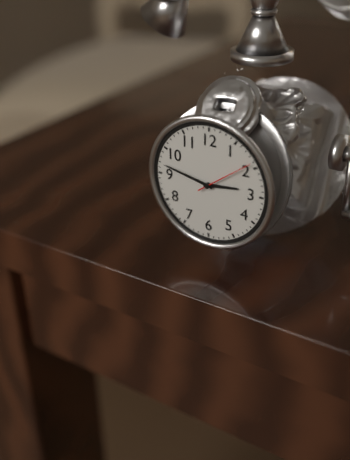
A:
h=2 m=47 s=9
